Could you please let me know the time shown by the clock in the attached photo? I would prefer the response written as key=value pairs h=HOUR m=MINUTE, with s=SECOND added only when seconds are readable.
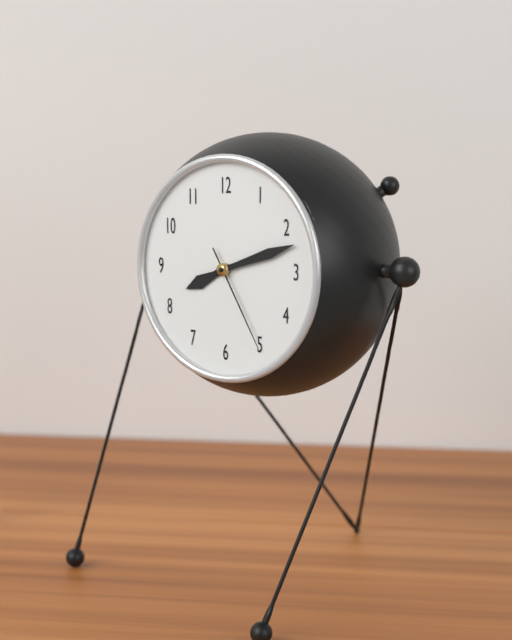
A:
h=8 m=12 s=25
